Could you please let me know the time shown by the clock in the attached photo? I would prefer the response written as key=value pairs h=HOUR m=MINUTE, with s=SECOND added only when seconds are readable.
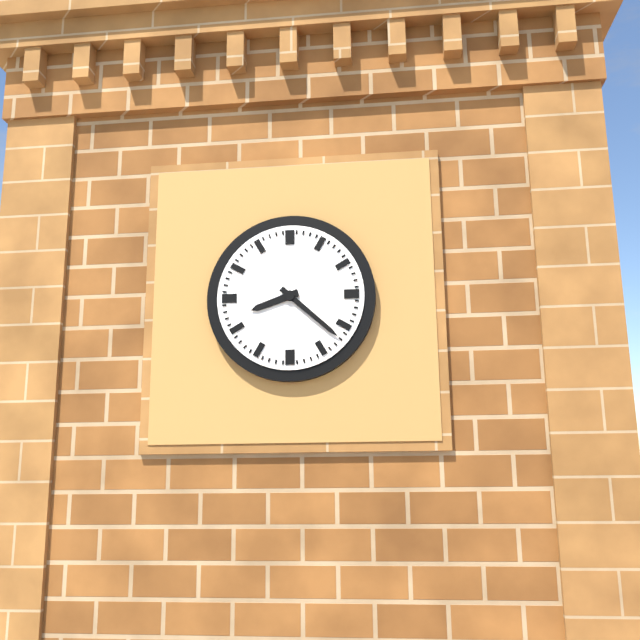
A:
h=8 m=22
